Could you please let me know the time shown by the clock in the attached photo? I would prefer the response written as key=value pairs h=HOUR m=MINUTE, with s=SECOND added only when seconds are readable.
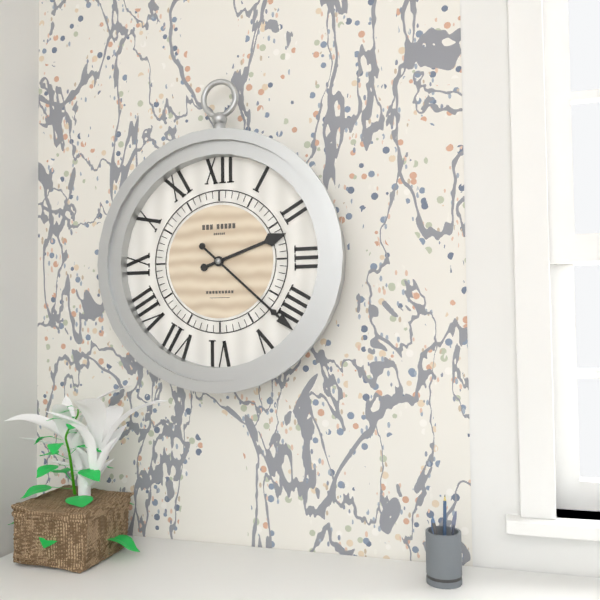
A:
h=2 m=22
